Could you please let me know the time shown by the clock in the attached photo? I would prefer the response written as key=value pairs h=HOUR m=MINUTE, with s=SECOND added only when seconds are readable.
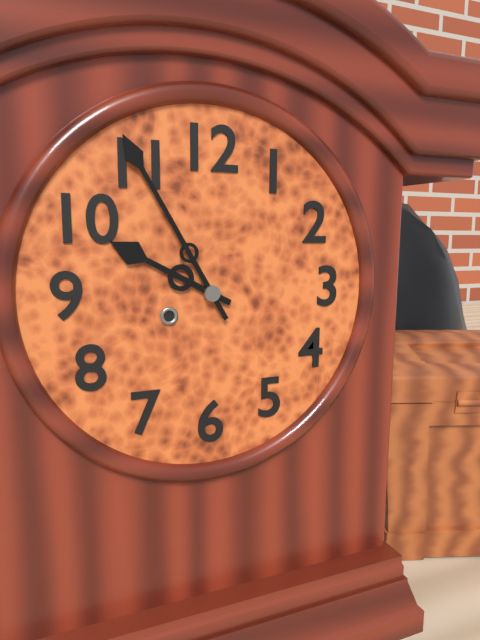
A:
h=9 m=55
